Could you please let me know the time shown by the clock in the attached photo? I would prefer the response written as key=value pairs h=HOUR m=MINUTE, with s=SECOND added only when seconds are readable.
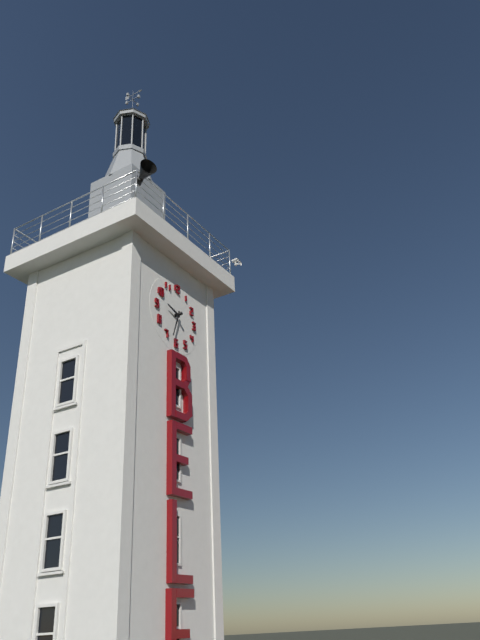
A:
h=9 m=33
